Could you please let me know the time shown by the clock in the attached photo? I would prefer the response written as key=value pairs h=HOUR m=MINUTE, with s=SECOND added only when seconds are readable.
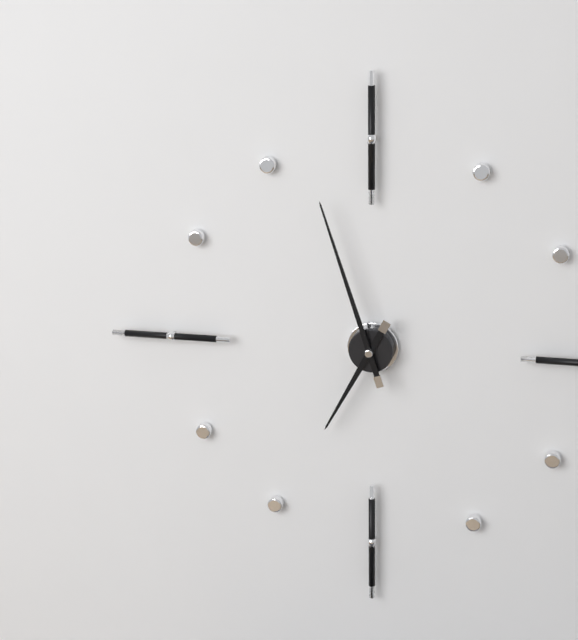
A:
h=6 m=57
